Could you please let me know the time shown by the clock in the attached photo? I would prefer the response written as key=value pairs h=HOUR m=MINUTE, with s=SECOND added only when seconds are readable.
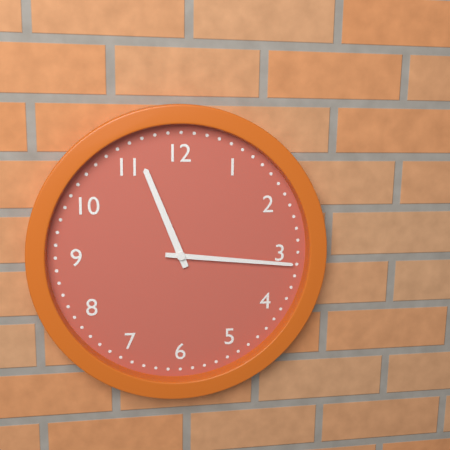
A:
h=11 m=16
